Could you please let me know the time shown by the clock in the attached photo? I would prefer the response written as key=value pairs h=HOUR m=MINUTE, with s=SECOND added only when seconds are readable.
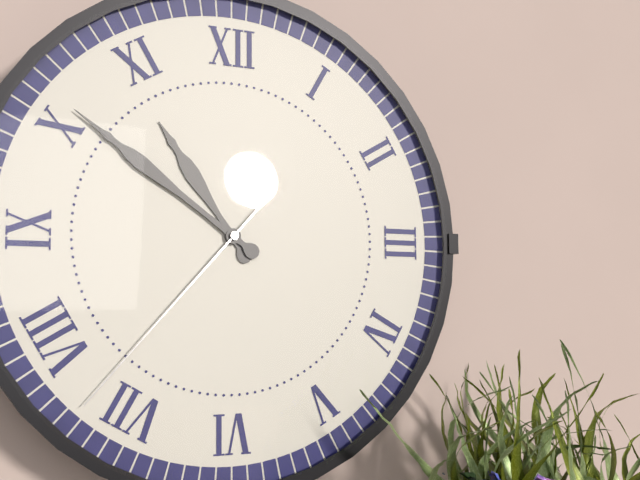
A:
h=10 m=51 s=37
